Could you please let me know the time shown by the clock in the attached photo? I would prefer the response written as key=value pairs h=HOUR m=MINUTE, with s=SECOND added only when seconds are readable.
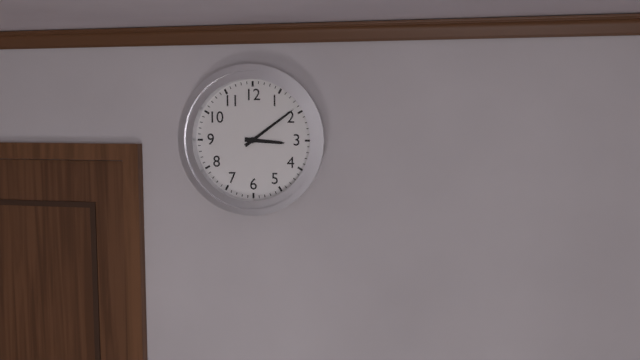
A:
h=3 m=9
